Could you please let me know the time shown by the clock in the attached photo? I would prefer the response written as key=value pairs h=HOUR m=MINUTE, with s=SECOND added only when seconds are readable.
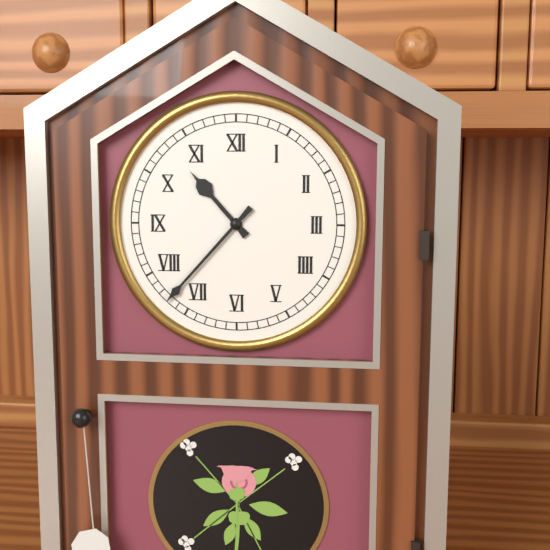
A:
h=10 m=37
